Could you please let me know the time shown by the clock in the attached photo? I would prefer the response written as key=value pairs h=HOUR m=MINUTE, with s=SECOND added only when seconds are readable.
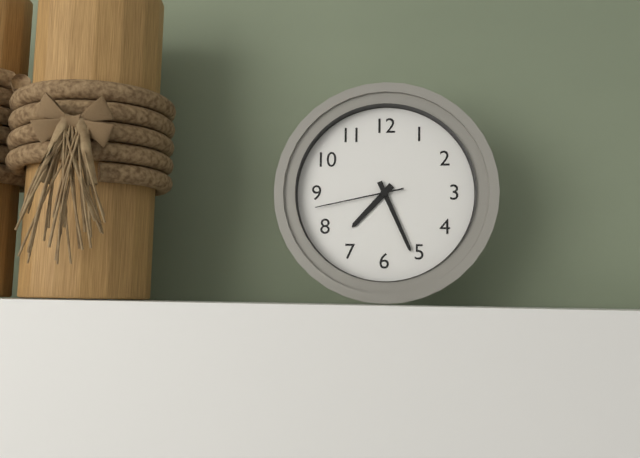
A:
h=7 m=26 s=43
